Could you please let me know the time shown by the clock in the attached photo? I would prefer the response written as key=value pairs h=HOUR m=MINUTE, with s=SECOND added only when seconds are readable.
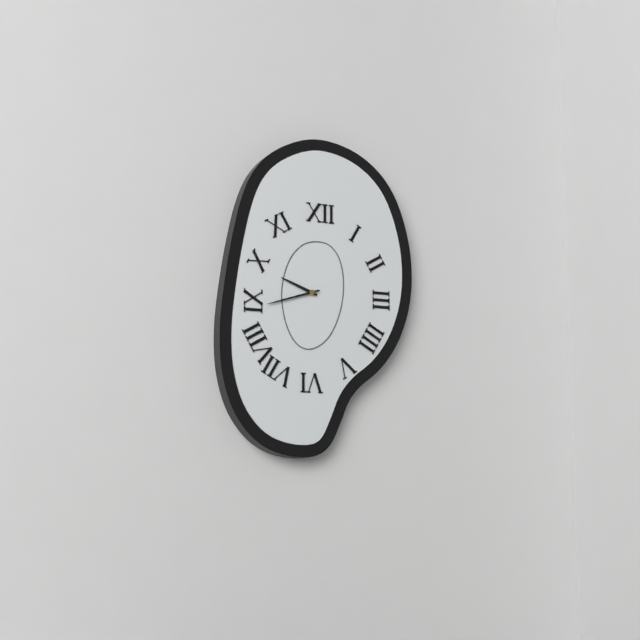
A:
h=9 m=42
